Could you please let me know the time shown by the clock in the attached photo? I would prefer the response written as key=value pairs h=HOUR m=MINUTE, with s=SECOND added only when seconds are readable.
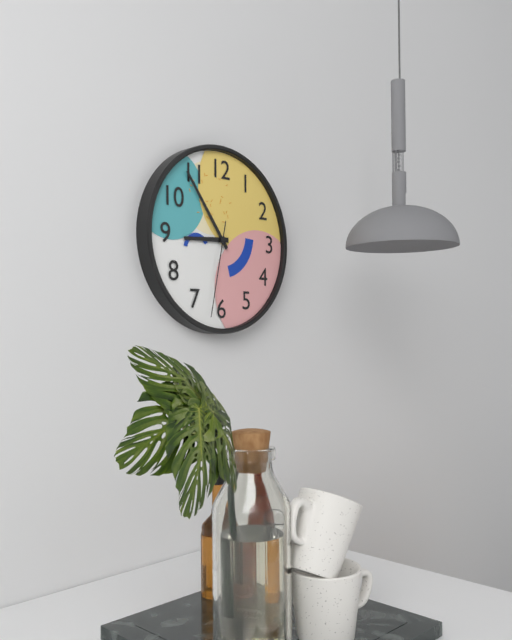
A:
h=8 m=54 s=32
